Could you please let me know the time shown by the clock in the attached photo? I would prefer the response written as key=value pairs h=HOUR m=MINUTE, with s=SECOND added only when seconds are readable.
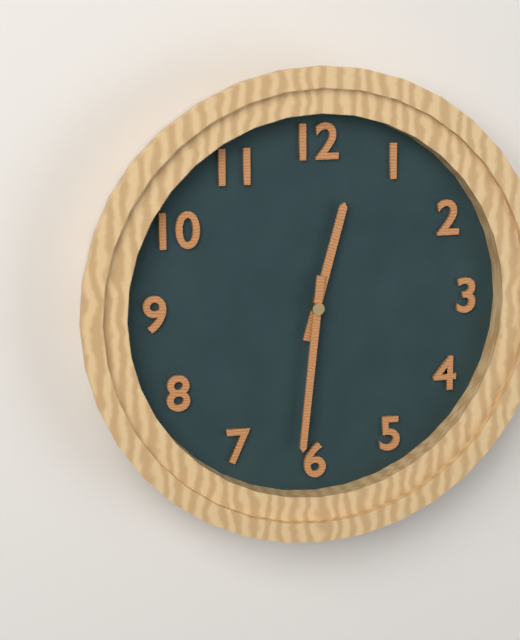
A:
h=12 m=31
